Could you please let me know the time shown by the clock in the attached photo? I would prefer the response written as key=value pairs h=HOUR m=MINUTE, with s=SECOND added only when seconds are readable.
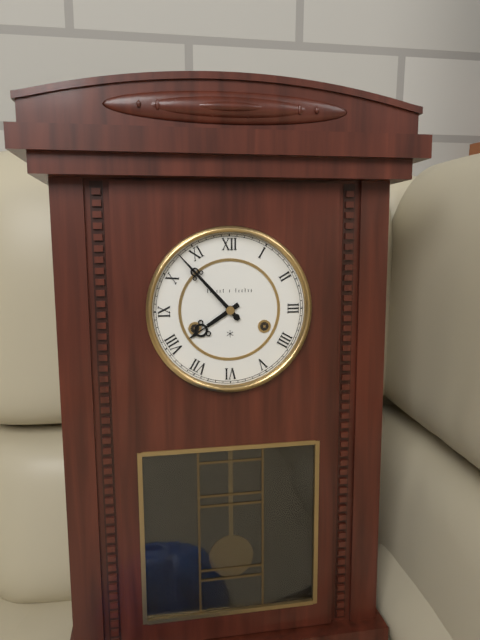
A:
h=7 m=53
